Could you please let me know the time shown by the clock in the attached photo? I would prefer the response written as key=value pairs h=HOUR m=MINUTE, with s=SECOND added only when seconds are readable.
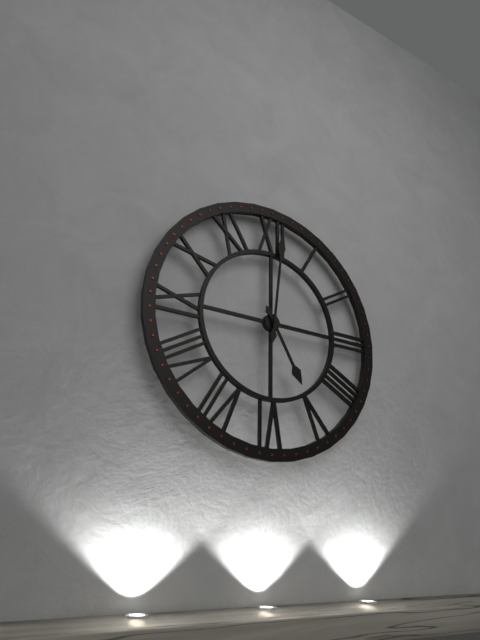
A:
h=5 m=1
